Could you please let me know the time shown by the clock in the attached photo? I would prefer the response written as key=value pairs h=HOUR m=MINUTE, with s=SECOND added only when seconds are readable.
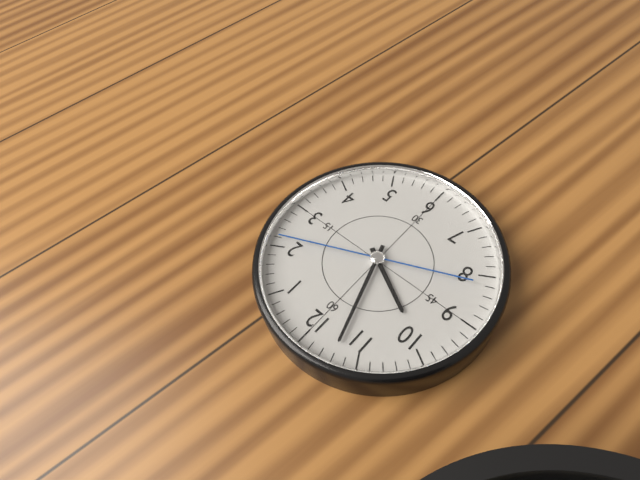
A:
h=9 m=57 s=11
